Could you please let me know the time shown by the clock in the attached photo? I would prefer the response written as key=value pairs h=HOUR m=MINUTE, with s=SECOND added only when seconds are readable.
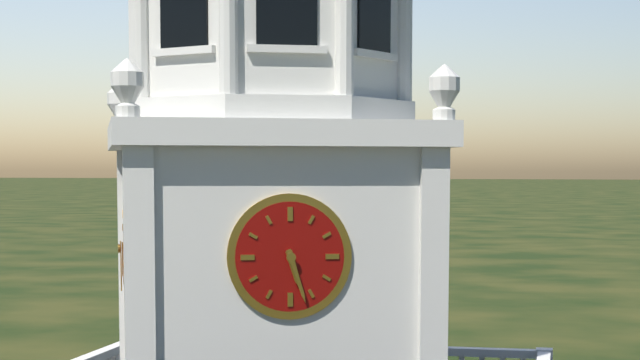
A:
h=5 m=27
